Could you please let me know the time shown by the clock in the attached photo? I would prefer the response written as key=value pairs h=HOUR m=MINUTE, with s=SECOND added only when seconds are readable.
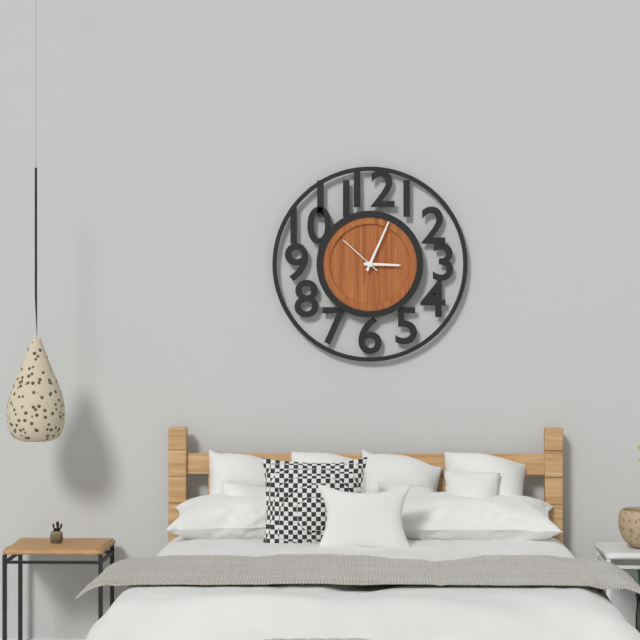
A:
h=3 m=4
